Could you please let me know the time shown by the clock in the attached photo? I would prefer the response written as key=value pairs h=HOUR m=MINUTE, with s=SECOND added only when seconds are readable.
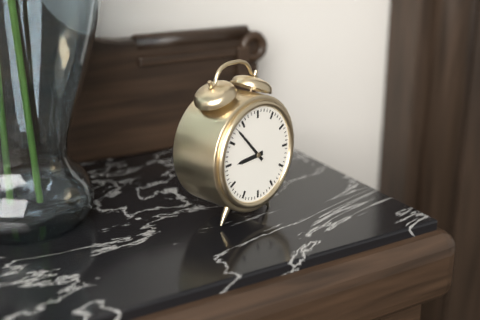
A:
h=8 m=53
